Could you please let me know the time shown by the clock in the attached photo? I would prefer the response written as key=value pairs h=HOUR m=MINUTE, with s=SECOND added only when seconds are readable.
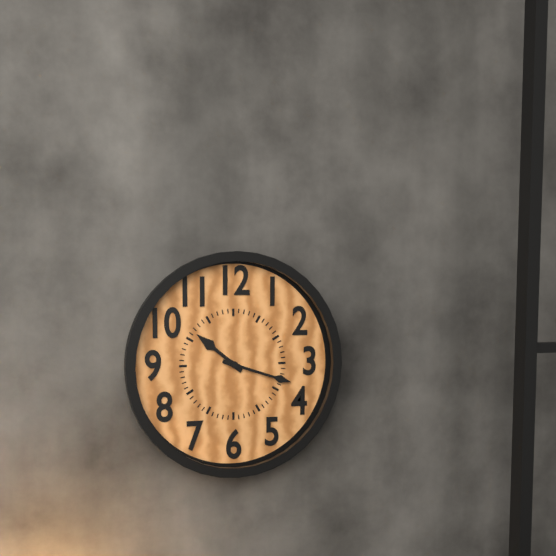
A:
h=10 m=18
